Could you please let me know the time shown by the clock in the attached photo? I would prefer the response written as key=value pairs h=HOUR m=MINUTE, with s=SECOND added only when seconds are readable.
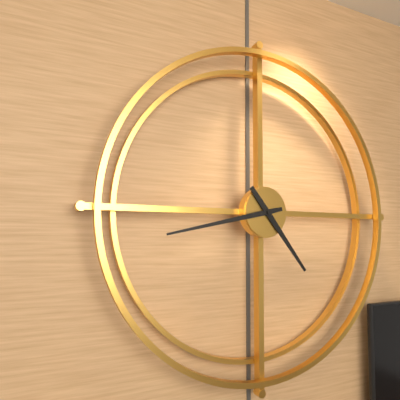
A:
h=4 m=43
